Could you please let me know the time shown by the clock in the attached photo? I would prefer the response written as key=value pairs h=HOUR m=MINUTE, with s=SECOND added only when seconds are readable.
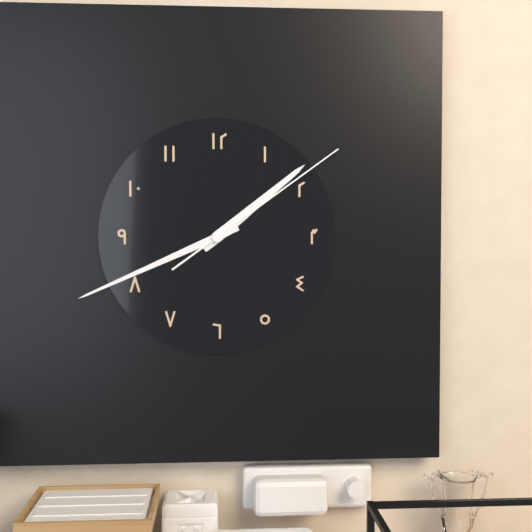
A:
h=1 m=41 s=9
